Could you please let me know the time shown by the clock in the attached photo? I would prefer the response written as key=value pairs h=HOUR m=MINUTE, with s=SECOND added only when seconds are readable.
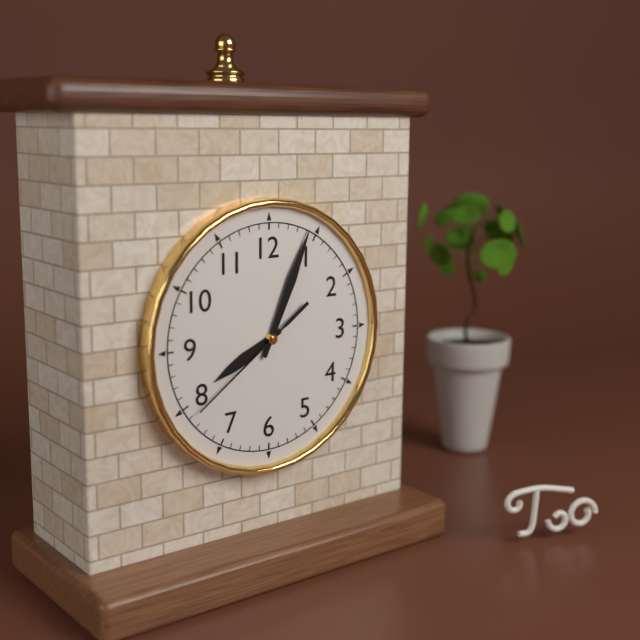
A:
h=8 m=4 s=39
